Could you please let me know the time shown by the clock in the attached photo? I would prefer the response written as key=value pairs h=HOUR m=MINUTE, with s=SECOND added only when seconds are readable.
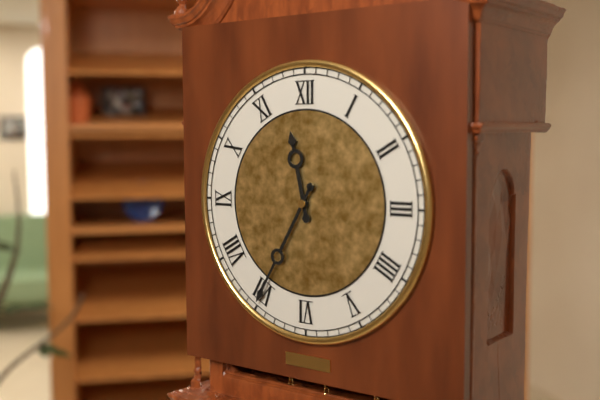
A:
h=11 m=35
